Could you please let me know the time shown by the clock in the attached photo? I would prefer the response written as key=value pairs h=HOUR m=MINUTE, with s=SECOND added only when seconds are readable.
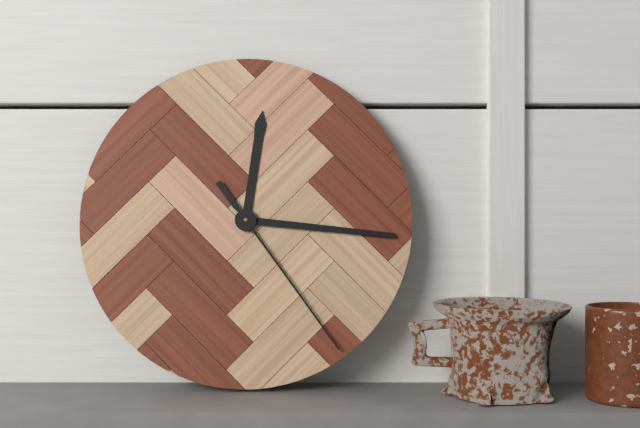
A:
h=12 m=16 s=24
